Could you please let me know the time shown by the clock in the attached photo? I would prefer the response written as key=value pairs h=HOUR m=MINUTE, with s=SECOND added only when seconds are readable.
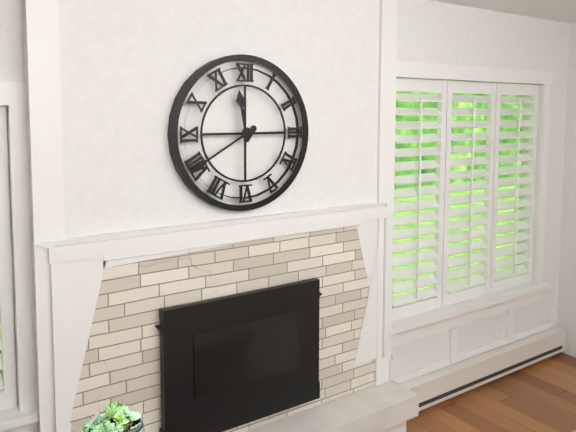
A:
h=11 m=40
